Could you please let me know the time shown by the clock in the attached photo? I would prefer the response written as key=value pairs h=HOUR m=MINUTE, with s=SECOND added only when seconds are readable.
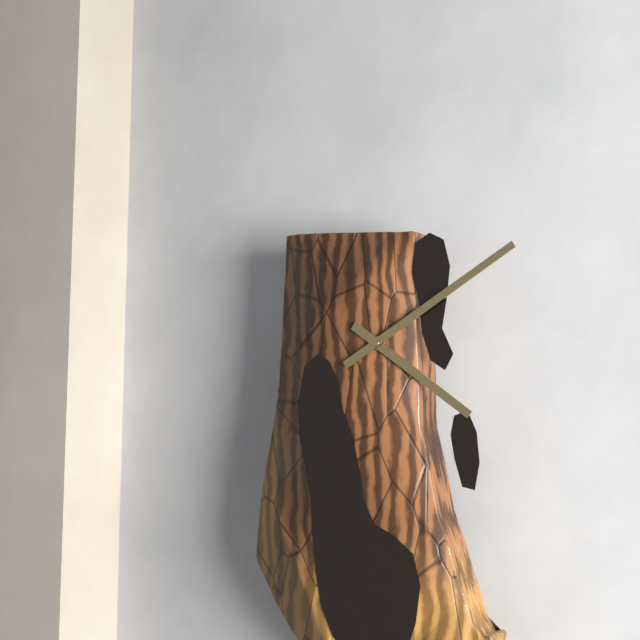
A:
h=4 m=10
